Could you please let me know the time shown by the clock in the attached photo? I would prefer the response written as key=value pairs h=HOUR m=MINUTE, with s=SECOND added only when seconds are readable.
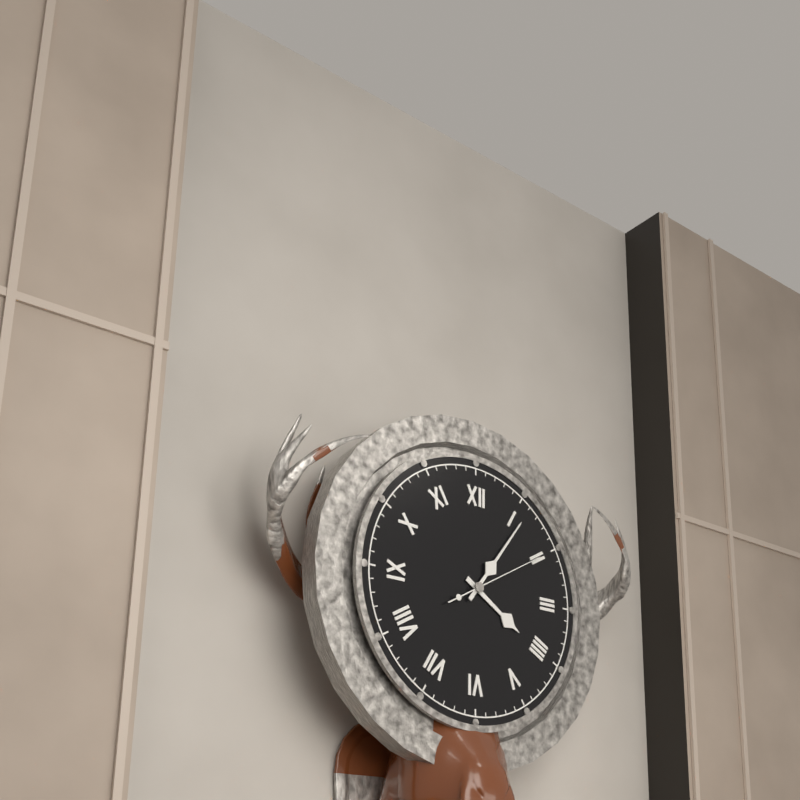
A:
h=4 m=6 s=10
